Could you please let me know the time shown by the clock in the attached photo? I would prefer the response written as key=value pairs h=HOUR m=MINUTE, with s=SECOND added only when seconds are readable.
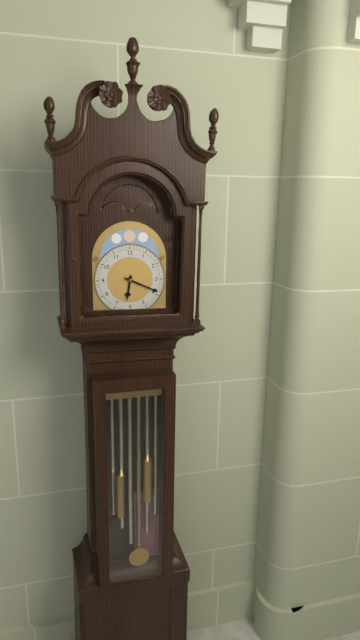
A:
h=6 m=19
